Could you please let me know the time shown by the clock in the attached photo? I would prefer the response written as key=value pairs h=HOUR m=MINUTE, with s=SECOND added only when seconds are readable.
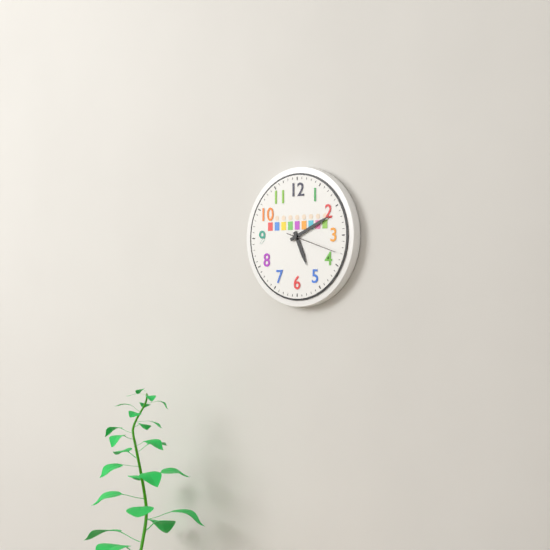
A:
h=5 m=11 s=18
